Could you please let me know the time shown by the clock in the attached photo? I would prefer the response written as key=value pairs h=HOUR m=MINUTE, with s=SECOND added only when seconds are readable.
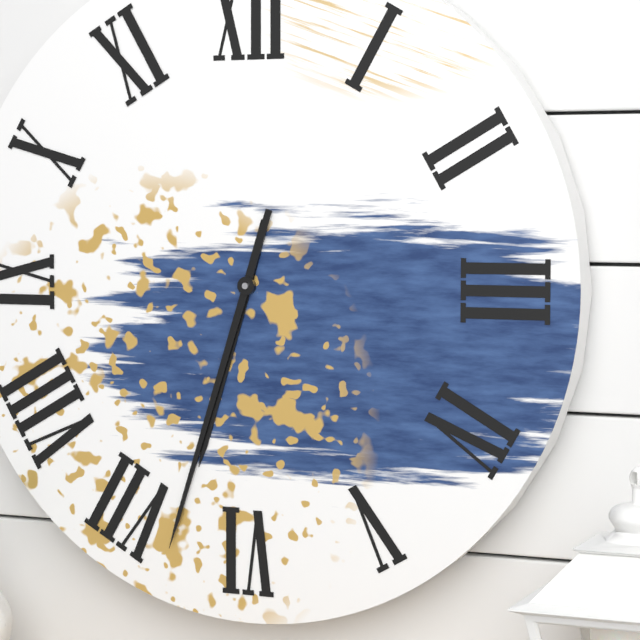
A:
h=6 m=33
